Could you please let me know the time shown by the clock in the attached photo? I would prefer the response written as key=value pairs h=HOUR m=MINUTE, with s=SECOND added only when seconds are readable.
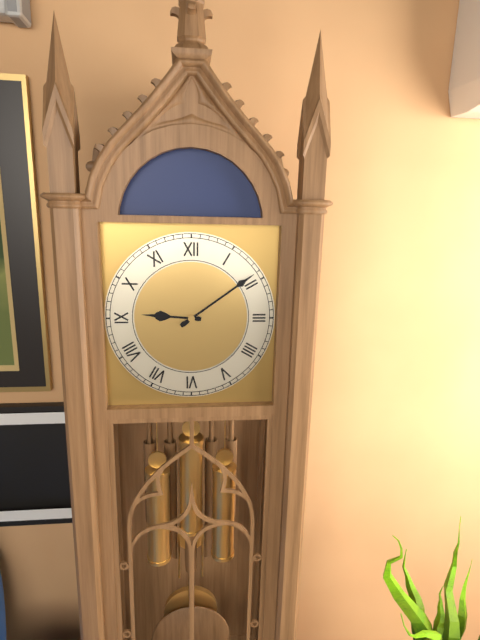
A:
h=9 m=9
